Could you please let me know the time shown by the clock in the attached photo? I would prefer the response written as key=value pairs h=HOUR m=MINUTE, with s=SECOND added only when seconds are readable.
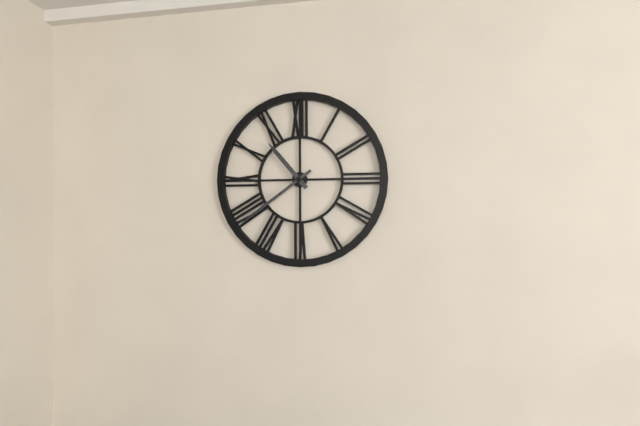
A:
h=10 m=39
